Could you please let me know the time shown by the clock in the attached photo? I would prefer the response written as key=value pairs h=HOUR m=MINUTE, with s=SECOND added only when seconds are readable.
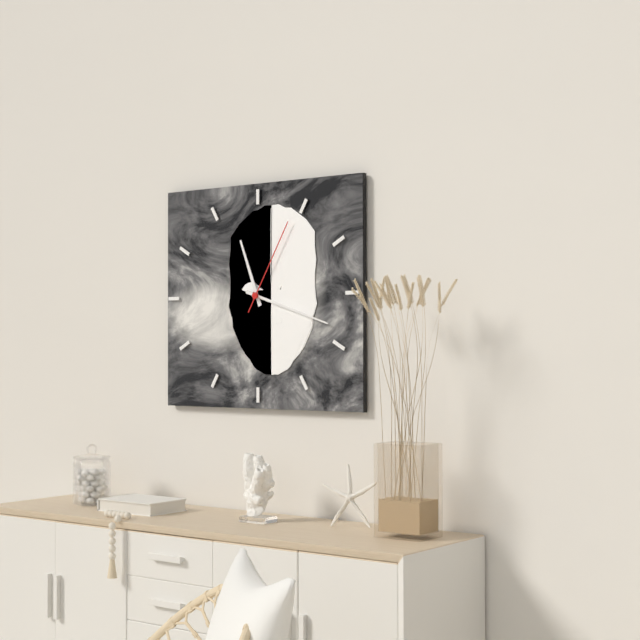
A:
h=11 m=18 s=5
